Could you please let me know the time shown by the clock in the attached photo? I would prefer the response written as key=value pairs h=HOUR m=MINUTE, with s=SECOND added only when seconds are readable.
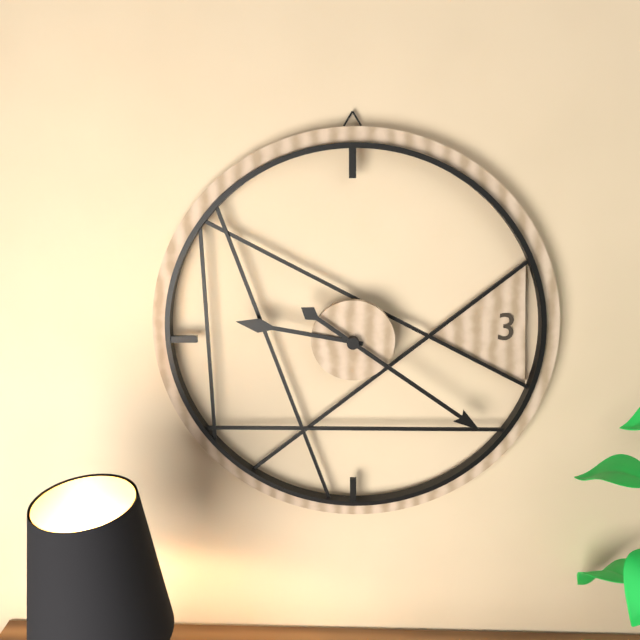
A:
h=9 m=21
